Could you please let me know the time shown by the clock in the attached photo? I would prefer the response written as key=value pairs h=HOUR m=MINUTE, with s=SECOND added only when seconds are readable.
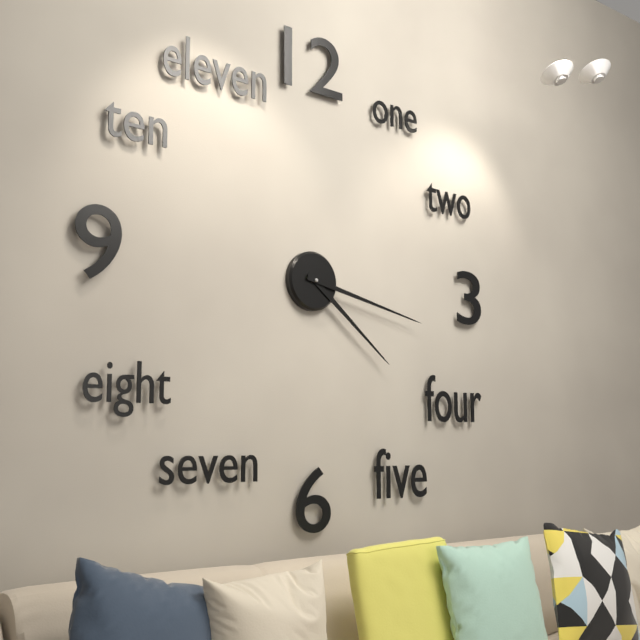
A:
h=4 m=17
